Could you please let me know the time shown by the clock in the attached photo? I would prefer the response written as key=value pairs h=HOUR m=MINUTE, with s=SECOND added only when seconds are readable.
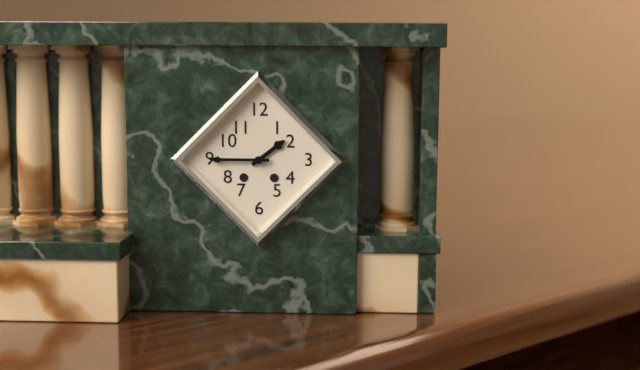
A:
h=1 m=45
